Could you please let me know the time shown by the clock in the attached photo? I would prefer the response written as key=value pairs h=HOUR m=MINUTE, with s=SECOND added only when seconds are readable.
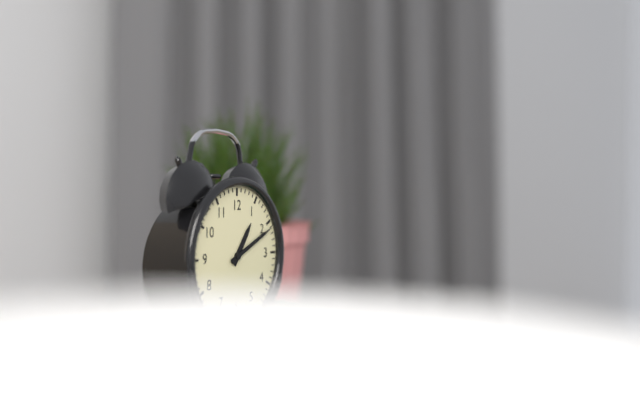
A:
h=1 m=11
